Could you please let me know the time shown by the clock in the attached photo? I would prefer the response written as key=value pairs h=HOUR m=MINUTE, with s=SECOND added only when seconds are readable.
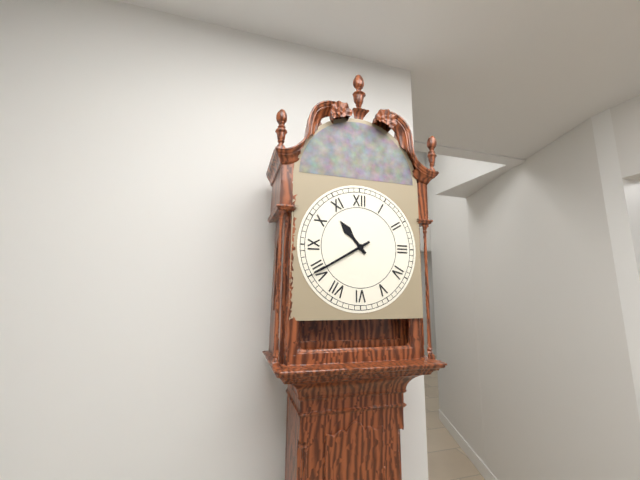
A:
h=10 m=40
